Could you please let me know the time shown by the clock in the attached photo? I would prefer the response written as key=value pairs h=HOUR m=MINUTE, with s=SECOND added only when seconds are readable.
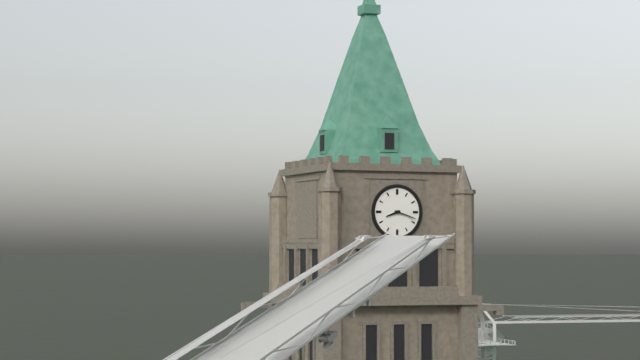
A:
h=8 m=18
